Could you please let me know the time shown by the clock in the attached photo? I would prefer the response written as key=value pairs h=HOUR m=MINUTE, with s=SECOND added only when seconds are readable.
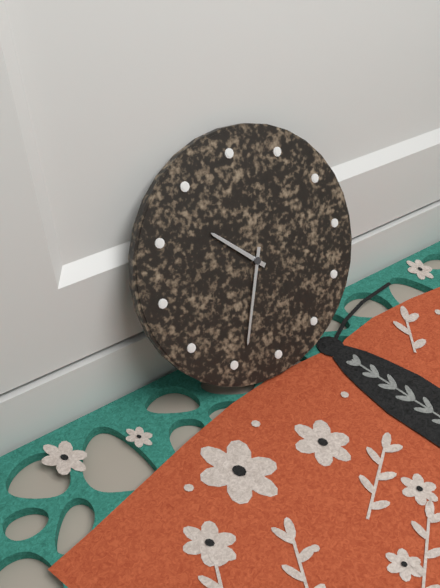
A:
h=10 m=34
